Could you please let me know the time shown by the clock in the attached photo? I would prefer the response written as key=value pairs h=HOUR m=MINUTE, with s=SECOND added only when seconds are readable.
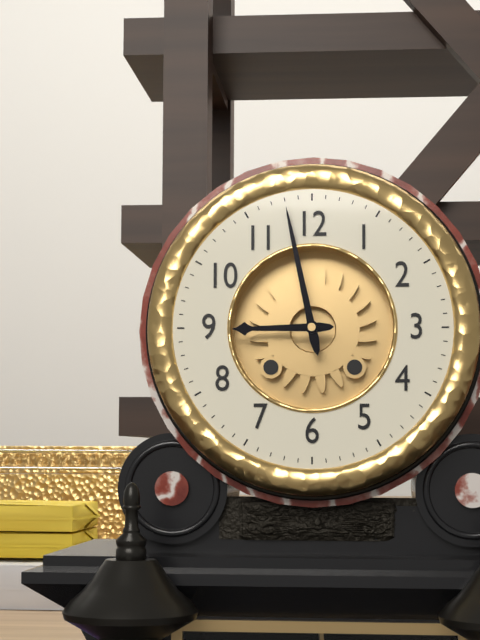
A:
h=8 m=58
